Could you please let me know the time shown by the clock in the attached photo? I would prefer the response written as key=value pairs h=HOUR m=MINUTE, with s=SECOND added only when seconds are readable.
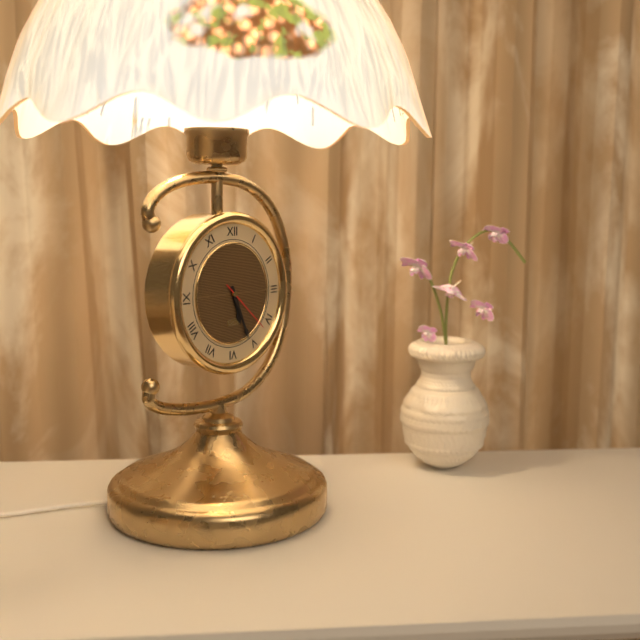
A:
h=5 m=26 s=22
